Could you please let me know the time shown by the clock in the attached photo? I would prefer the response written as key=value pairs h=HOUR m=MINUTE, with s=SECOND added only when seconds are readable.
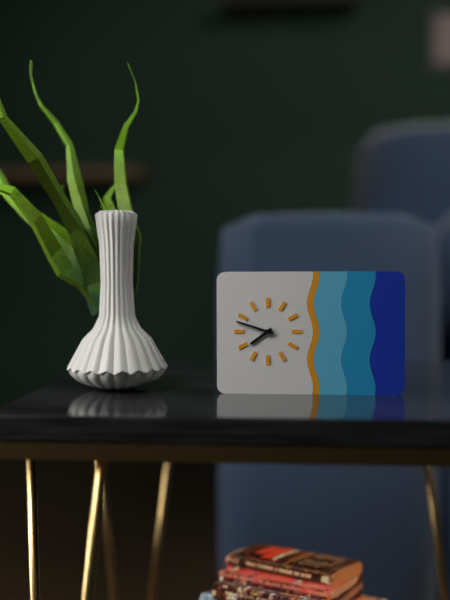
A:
h=7 m=48
